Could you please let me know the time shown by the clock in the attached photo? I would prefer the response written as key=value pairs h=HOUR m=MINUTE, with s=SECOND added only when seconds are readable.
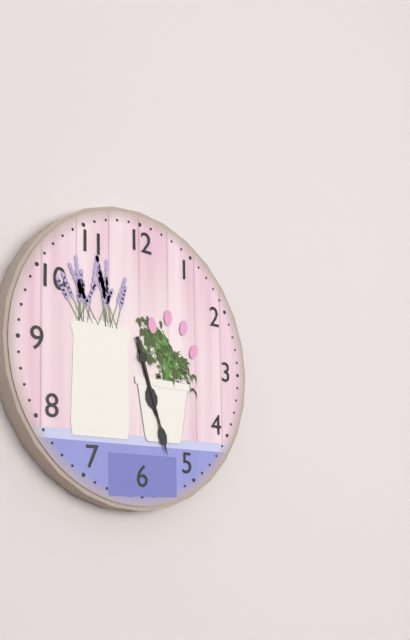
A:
h=5 m=27
